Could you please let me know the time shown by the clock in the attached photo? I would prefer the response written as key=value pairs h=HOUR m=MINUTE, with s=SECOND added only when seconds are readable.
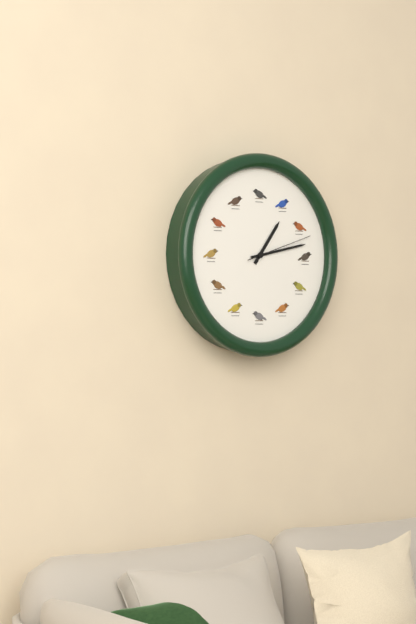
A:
h=1 m=13 s=12
